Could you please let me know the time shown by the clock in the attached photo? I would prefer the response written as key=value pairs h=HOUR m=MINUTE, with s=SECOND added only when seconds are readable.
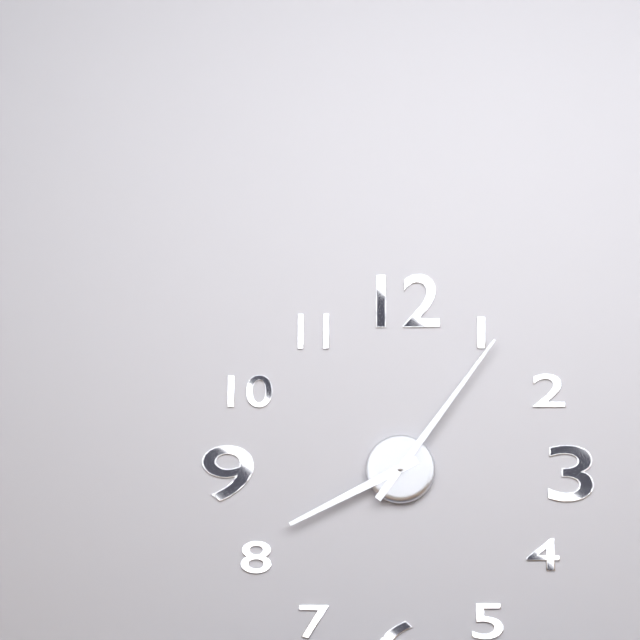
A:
h=8 m=6
